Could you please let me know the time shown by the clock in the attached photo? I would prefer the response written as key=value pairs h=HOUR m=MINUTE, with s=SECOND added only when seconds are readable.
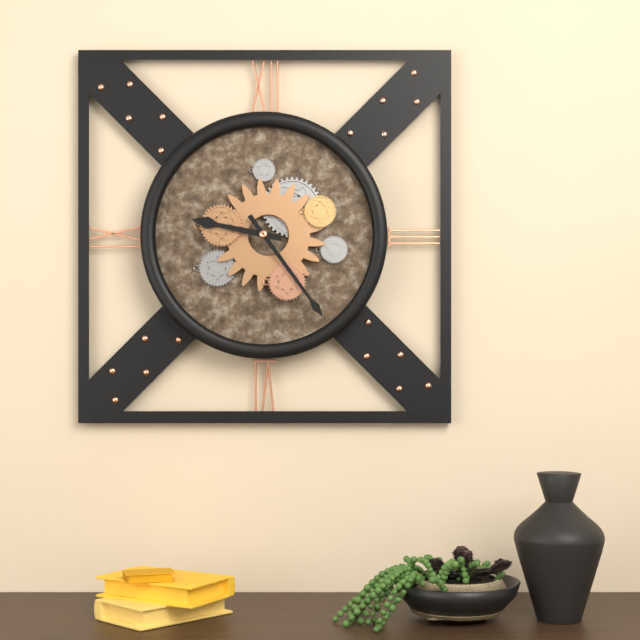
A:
h=9 m=24
